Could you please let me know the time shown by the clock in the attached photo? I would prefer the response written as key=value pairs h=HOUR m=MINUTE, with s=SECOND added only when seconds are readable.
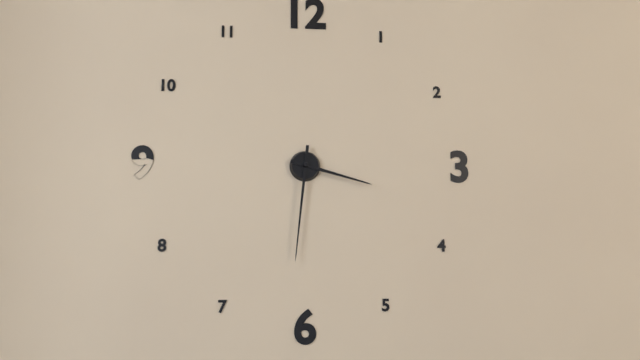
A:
h=3 m=31
